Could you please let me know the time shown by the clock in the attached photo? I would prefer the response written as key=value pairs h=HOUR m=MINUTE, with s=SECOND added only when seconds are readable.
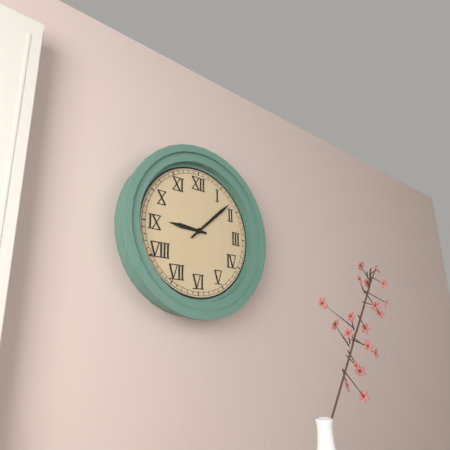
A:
h=9 m=8
